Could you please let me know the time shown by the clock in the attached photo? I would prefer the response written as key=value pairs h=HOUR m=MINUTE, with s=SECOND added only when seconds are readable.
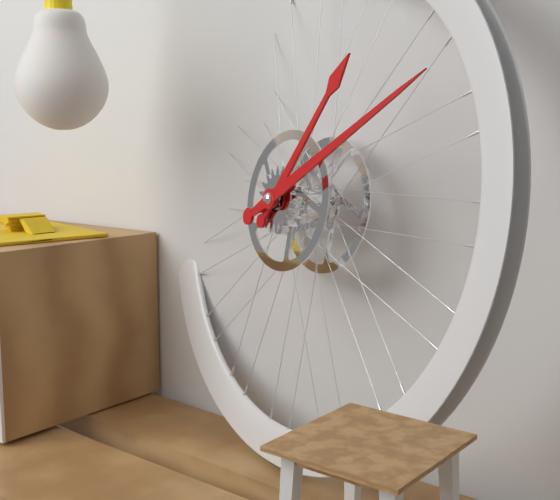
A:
h=1 m=10
